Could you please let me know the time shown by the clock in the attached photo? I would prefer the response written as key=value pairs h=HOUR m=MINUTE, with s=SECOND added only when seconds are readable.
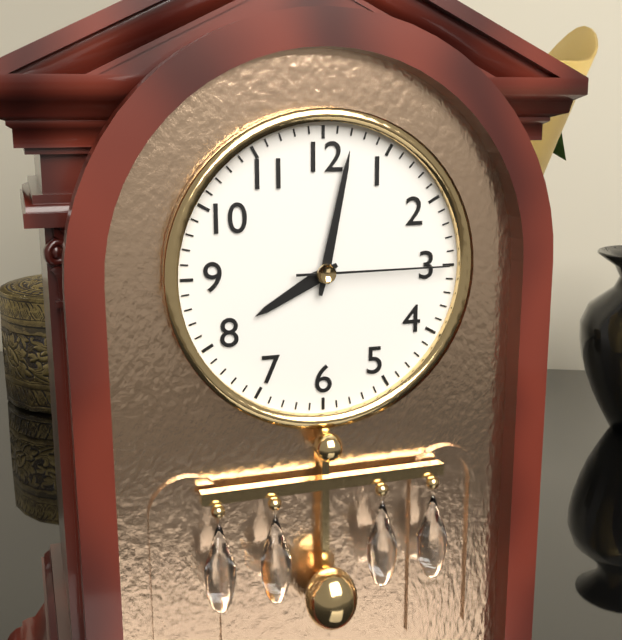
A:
h=8 m=2 s=15
